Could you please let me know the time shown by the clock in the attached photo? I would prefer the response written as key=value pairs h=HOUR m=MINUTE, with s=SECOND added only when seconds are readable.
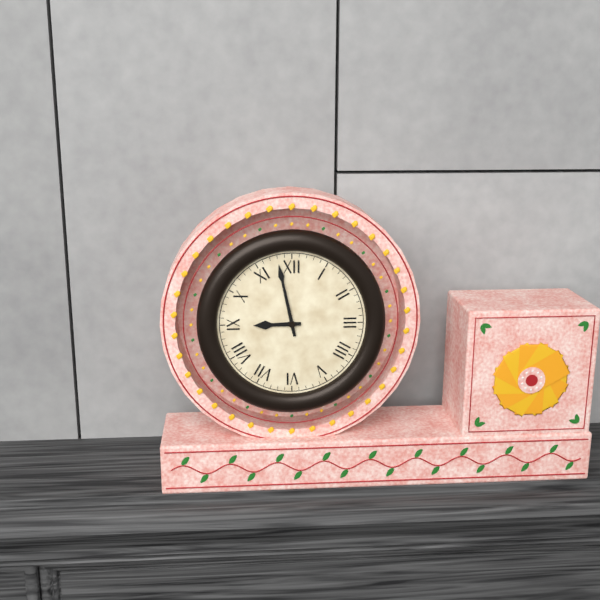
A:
h=8 m=58
